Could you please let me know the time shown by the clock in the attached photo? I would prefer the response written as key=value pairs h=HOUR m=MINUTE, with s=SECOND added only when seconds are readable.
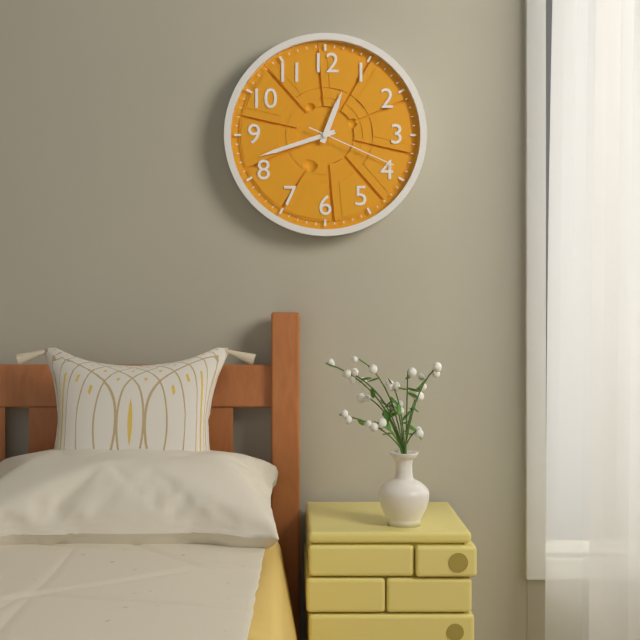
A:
h=12 m=42 s=19
